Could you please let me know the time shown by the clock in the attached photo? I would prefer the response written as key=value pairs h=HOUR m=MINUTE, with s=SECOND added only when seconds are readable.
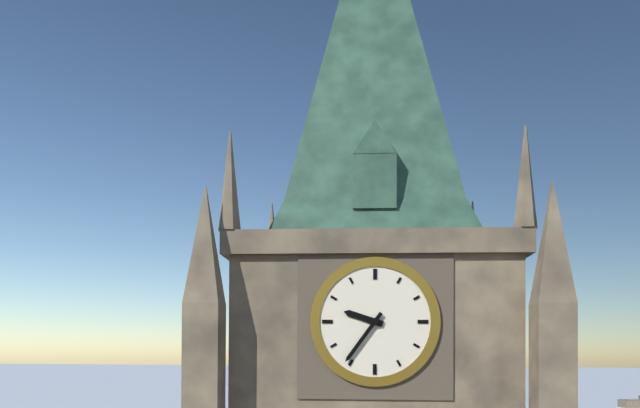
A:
h=9 m=36
